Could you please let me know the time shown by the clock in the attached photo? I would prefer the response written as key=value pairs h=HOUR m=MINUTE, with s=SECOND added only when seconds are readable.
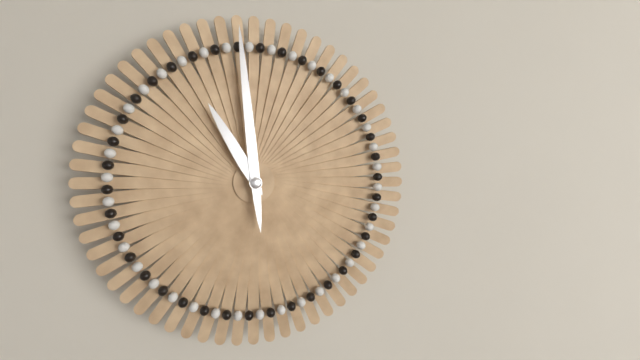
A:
h=10 m=59
